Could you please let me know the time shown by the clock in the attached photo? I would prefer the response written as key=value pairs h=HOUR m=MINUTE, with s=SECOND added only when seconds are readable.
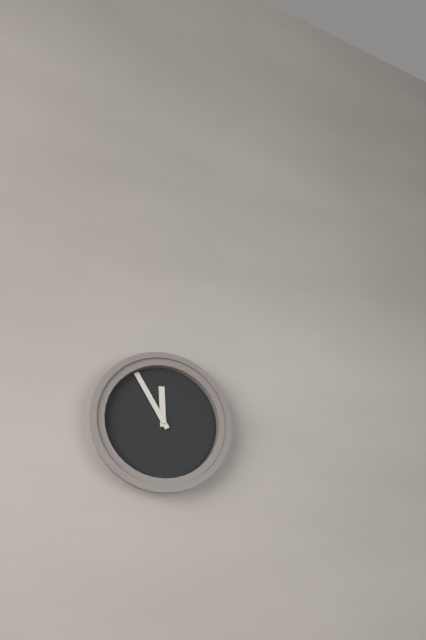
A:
h=11 m=55
